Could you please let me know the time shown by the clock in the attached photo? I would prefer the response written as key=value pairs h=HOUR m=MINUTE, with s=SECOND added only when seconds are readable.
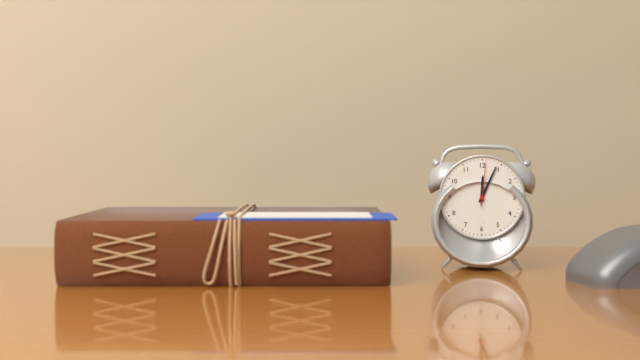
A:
h=12 m=4
